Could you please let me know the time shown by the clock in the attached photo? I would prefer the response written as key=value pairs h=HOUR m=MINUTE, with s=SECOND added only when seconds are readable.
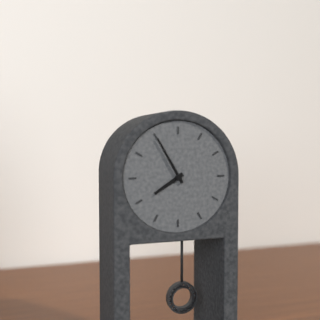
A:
h=7 m=55
